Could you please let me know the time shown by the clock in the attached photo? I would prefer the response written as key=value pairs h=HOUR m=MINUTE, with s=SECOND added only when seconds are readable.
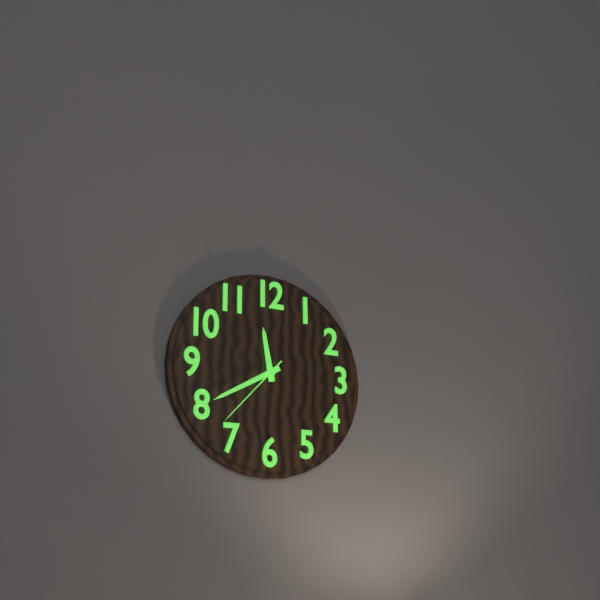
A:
h=11 m=40 s=37
